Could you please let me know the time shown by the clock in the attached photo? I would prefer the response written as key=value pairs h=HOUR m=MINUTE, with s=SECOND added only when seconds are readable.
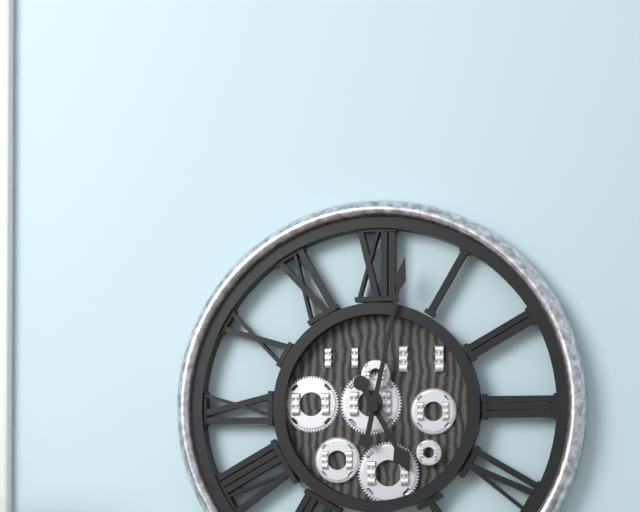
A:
h=5 m=2
